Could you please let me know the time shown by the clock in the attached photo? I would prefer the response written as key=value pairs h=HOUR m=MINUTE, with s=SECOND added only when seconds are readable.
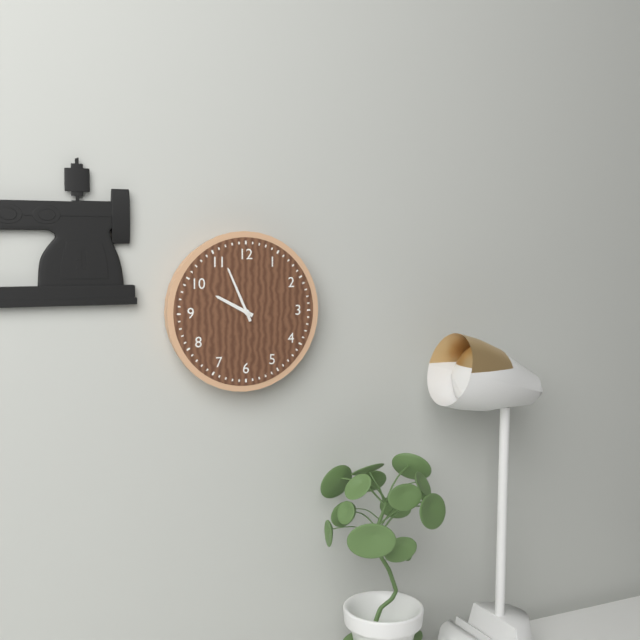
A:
h=9 m=56
